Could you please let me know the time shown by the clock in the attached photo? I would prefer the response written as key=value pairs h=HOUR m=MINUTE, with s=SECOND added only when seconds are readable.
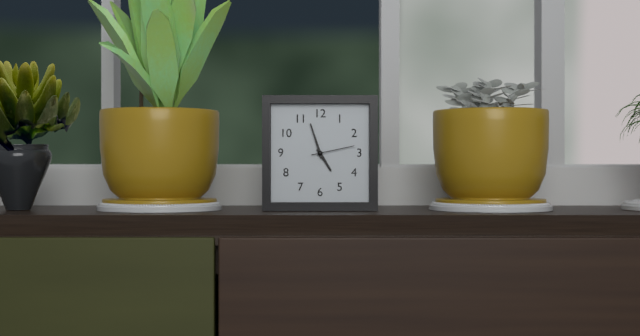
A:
h=4 m=57
